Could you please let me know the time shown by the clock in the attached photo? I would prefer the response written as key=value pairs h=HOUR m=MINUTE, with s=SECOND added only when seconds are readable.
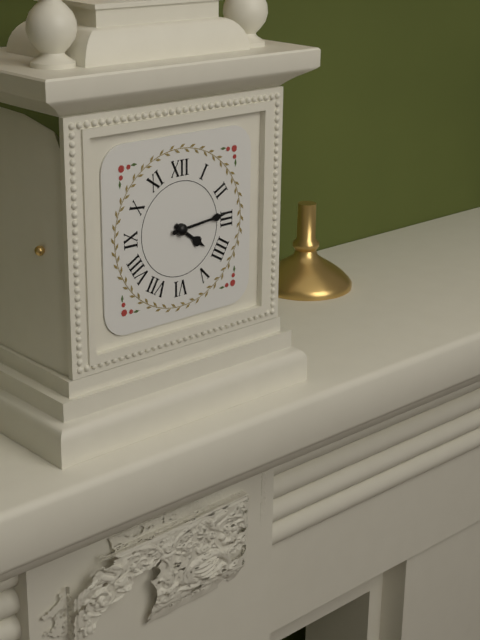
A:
h=4 m=14
